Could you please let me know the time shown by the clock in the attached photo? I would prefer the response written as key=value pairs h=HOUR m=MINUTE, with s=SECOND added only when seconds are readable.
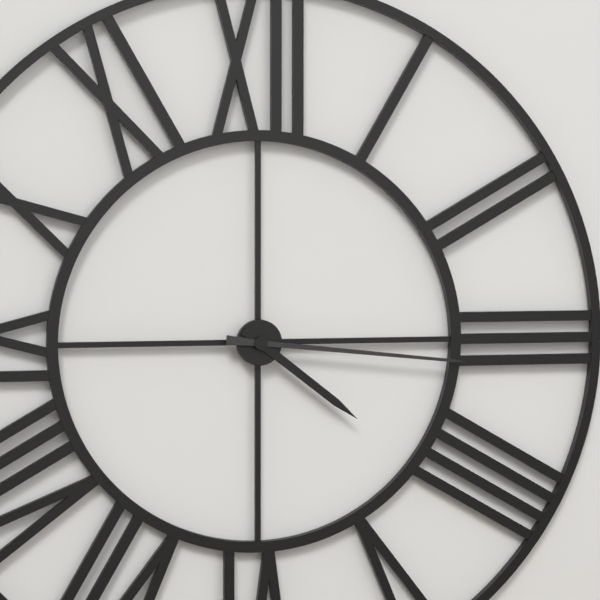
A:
h=4 m=16
